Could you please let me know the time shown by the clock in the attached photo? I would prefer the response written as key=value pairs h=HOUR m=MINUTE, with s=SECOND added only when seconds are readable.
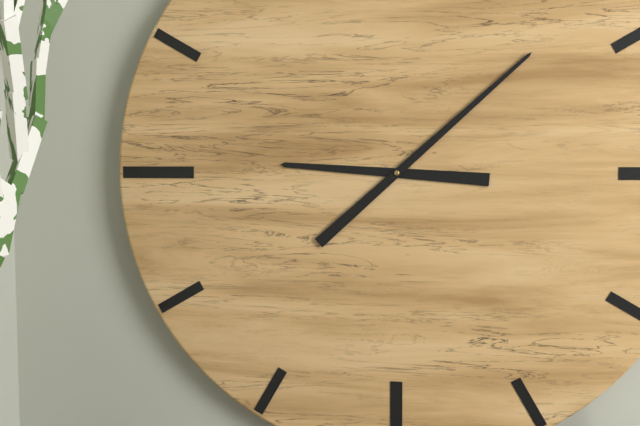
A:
h=9 m=8
